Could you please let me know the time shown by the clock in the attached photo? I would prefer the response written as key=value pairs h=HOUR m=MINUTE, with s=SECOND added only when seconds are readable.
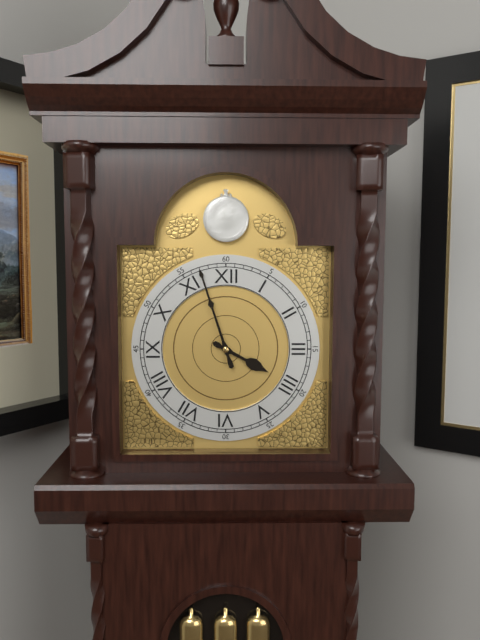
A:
h=3 m=57
